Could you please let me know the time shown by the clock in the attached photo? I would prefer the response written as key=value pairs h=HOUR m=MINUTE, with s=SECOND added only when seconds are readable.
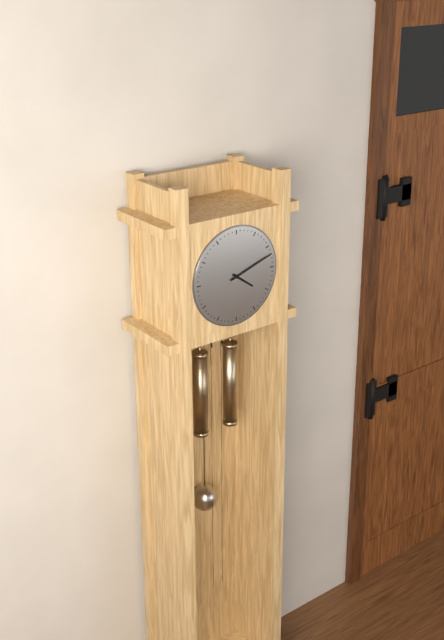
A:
h=4 m=12
